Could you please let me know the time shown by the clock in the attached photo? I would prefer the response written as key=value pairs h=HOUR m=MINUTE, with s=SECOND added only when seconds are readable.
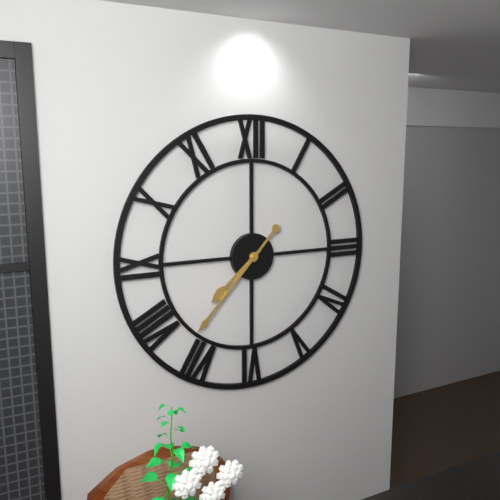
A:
h=7 m=37
